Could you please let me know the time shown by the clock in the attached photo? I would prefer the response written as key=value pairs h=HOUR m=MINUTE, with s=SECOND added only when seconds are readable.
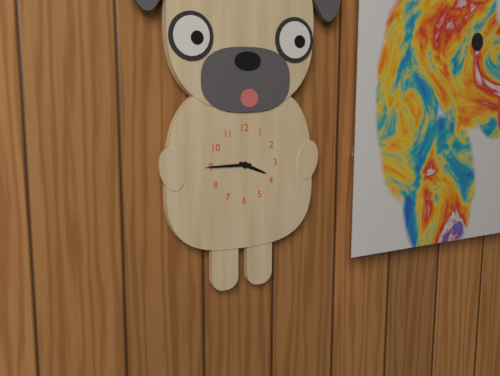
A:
h=3 m=45
